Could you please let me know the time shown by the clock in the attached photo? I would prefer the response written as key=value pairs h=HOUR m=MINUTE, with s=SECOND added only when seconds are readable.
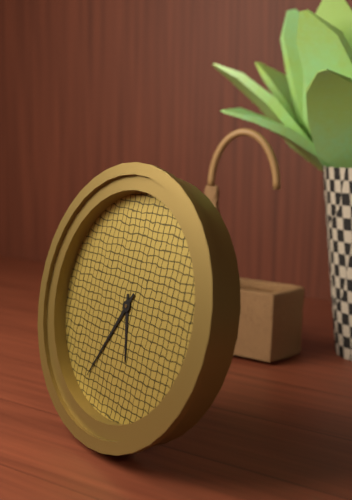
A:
h=5 m=35
